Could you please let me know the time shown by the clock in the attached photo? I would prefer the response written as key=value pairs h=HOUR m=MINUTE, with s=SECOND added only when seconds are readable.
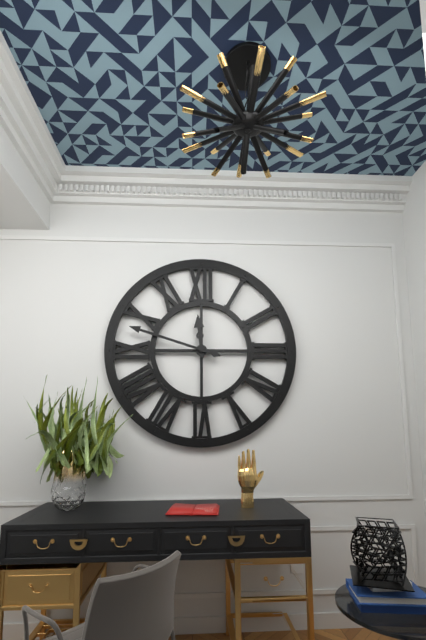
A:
h=11 m=48
